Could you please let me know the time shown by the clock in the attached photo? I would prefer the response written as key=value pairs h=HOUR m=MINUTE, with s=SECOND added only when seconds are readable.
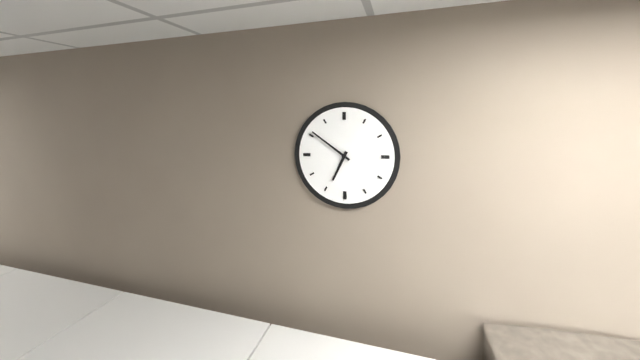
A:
h=6 m=51
